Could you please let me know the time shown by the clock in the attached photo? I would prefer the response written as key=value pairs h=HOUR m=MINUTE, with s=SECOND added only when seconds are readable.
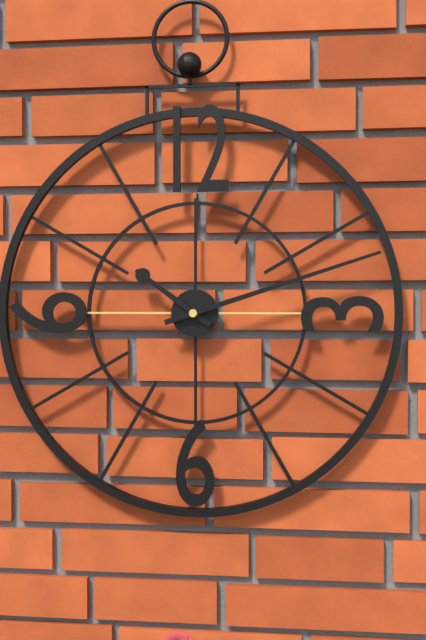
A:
h=10 m=12
